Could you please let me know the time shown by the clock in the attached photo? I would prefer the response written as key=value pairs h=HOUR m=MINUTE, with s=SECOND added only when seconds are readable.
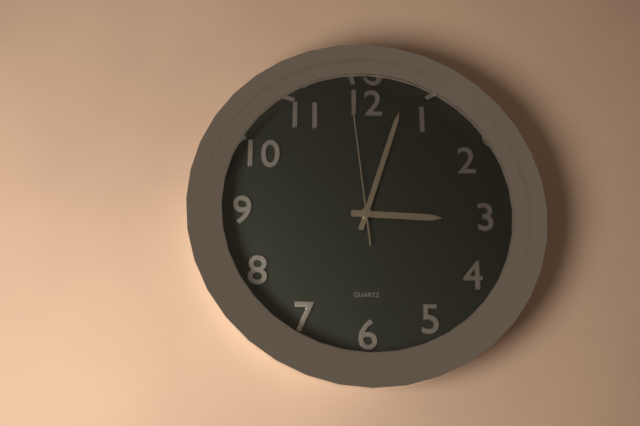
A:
h=3 m=3 s=59
